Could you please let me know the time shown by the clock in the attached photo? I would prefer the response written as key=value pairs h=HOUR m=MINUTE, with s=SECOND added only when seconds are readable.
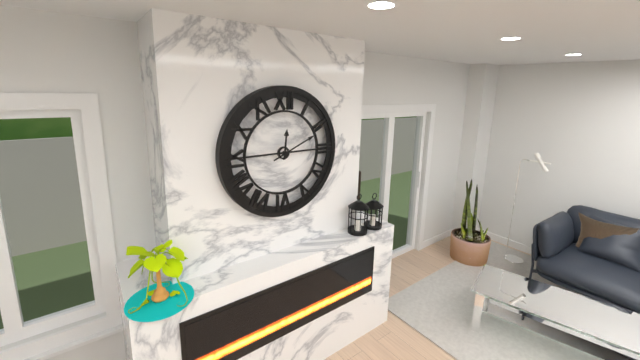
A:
h=12 m=11
